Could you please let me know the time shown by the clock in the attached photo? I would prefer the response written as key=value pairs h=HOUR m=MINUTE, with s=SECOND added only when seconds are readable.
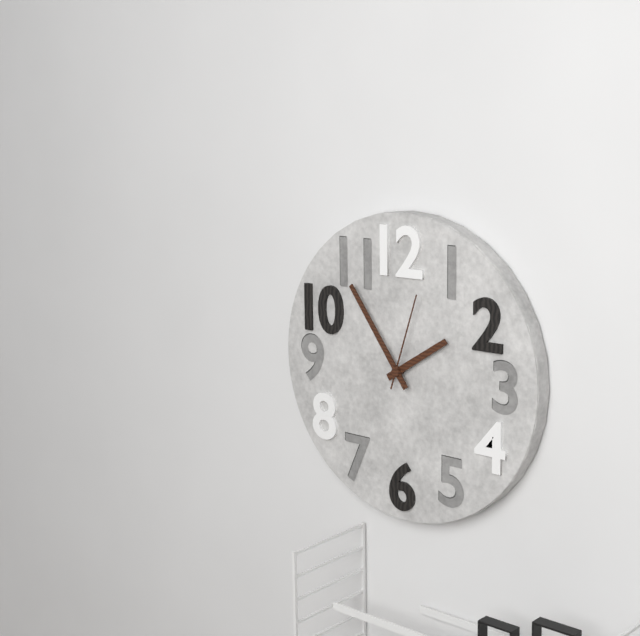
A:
h=1 m=54 s=3
